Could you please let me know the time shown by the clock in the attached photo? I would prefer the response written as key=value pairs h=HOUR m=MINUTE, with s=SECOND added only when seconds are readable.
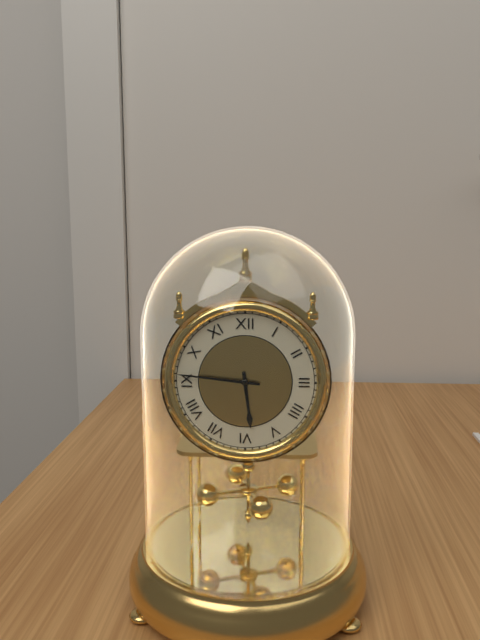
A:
h=5 m=46
